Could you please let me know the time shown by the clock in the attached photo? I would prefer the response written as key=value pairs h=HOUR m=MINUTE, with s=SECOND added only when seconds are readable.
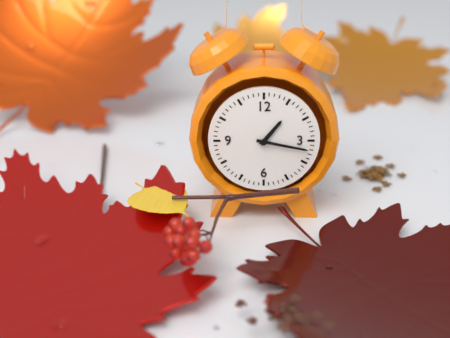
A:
h=1 m=17
